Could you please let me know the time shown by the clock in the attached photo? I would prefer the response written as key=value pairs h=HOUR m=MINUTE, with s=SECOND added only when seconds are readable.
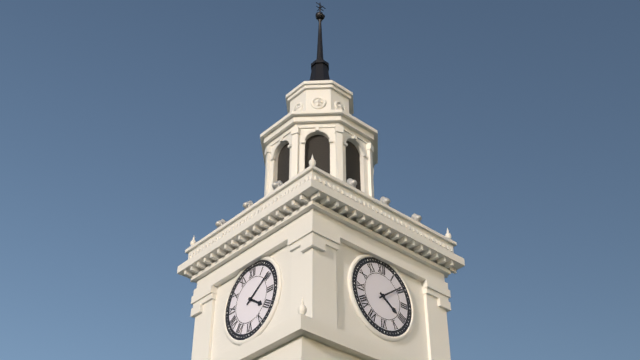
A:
h=4 m=9
